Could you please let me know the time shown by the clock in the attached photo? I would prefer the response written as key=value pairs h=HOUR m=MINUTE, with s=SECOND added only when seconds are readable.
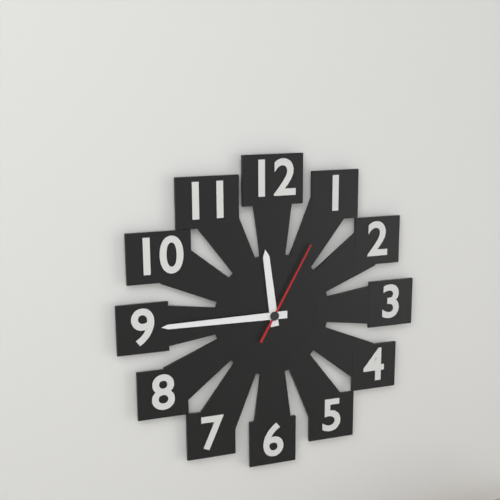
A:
h=11 m=45 s=5
